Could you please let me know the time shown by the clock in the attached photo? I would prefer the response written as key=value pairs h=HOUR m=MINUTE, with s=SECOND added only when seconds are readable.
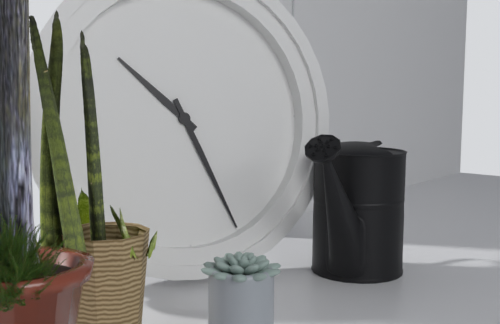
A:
h=10 m=26
